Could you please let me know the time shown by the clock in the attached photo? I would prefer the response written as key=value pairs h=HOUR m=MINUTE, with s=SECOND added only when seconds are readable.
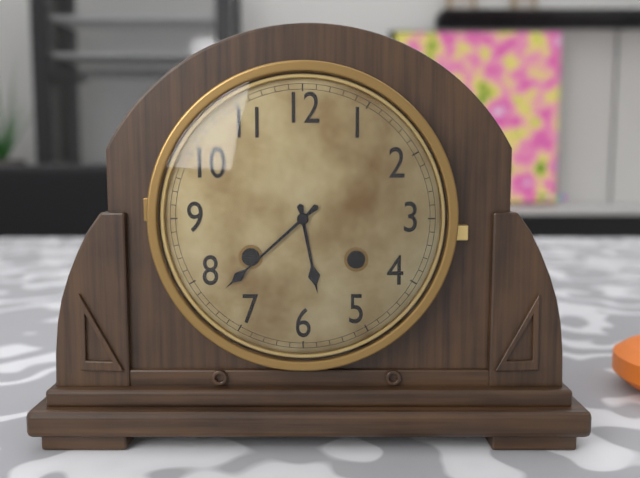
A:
h=5 m=38
